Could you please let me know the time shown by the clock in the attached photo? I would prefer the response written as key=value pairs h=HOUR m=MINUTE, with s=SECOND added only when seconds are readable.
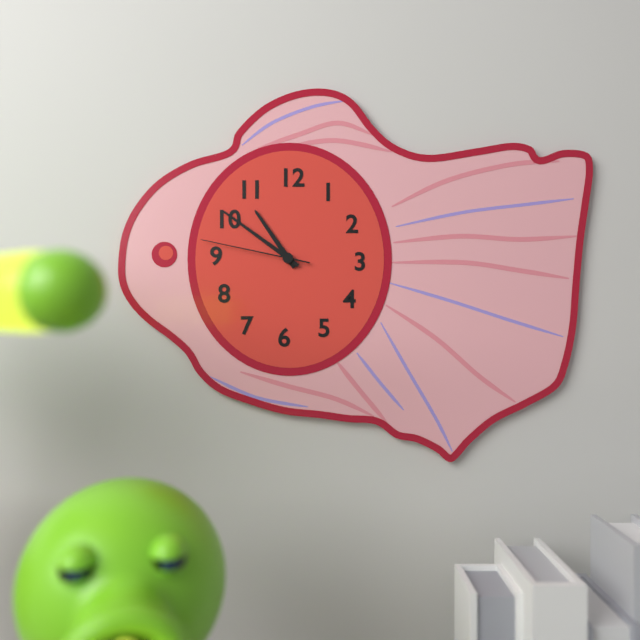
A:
h=10 m=51 s=47
